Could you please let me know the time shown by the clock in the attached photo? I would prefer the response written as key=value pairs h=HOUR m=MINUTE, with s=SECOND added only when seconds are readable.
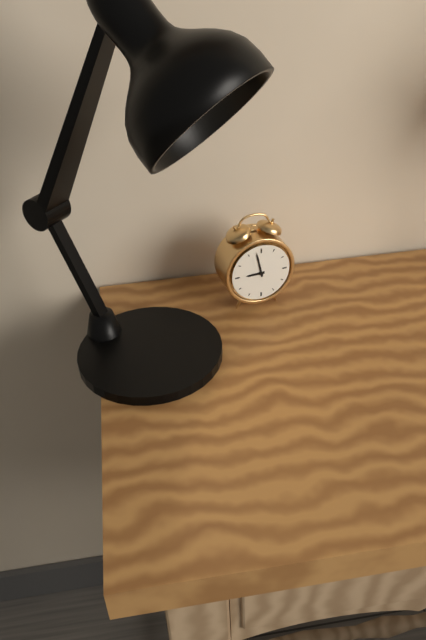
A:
h=8 m=58
